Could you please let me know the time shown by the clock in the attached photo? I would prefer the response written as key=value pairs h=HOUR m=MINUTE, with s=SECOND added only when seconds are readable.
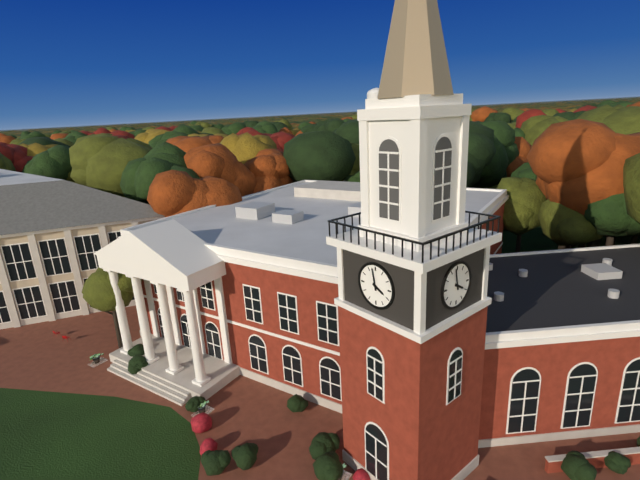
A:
h=3 m=58
